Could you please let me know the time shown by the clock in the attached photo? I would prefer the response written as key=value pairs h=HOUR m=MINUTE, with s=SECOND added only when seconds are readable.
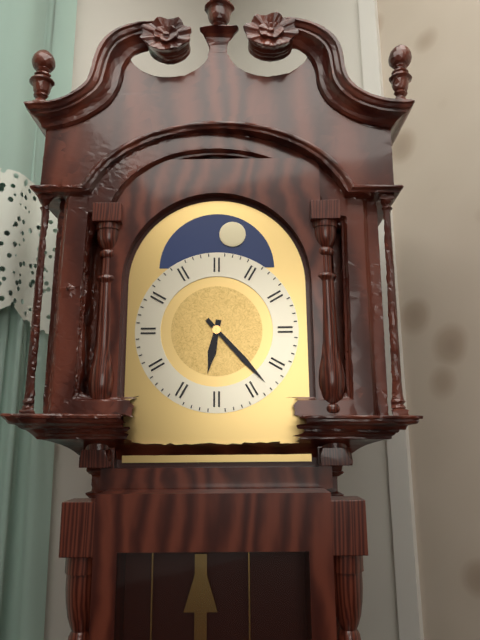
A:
h=6 m=23
